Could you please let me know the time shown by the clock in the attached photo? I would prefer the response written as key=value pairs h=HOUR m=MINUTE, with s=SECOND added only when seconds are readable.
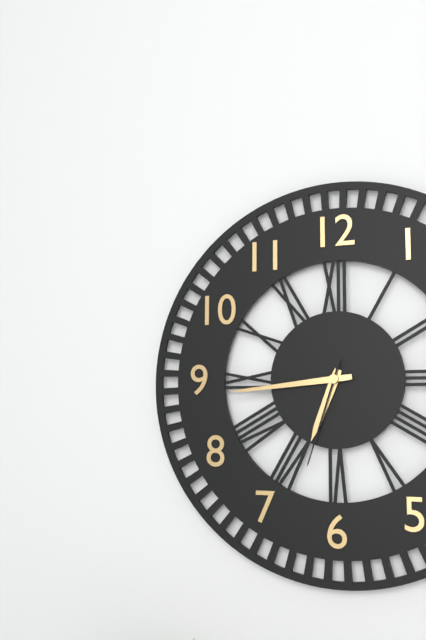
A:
h=6 m=44 s=33
